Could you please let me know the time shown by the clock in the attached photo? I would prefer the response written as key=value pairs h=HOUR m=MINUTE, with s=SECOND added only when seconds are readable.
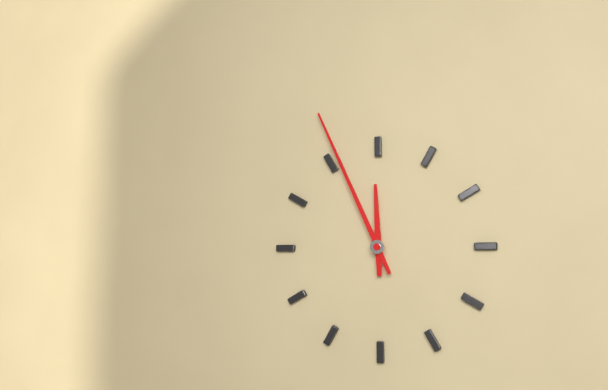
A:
h=11 m=56
